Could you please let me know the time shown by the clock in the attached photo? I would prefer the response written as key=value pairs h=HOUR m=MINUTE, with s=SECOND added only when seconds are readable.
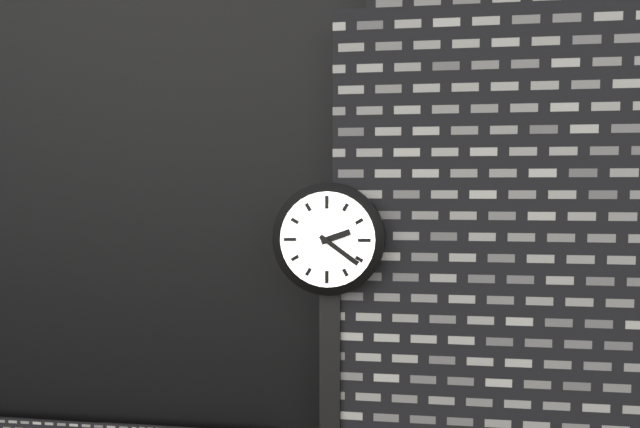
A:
h=2 m=21
